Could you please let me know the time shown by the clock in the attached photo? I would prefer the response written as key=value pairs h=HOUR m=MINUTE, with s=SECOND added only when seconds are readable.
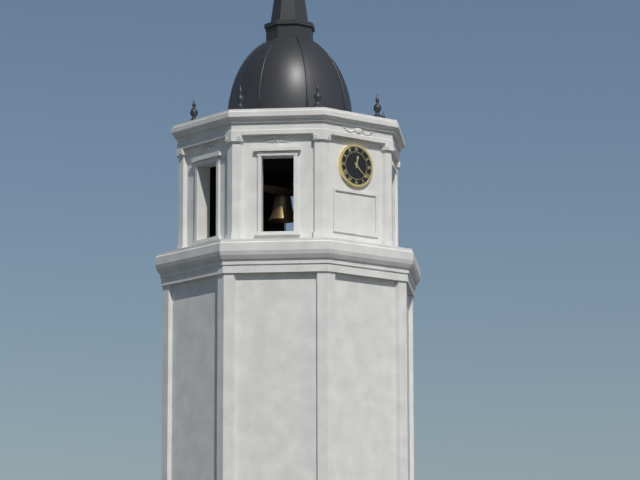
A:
h=12 m=22
